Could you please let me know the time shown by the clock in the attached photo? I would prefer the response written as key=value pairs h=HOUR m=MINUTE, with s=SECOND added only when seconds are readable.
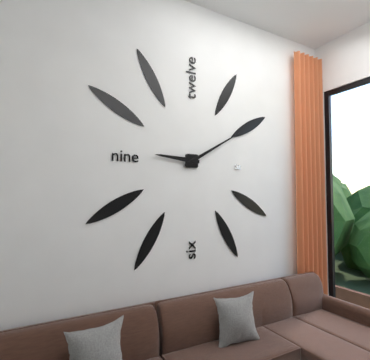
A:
h=9 m=10
